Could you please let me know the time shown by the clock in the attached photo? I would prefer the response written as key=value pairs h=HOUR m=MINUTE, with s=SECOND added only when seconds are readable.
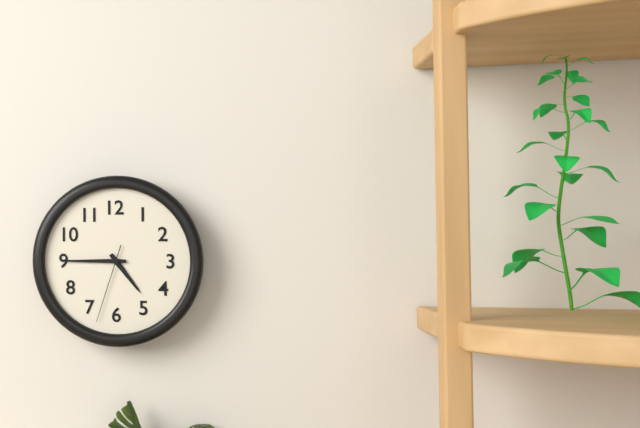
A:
h=4 m=45 s=33
